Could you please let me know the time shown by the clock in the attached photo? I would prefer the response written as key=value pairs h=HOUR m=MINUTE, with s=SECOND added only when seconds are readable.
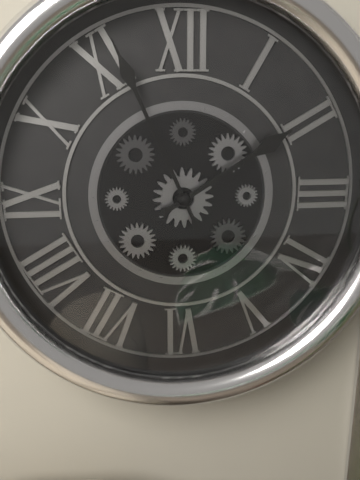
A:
h=1 m=56
